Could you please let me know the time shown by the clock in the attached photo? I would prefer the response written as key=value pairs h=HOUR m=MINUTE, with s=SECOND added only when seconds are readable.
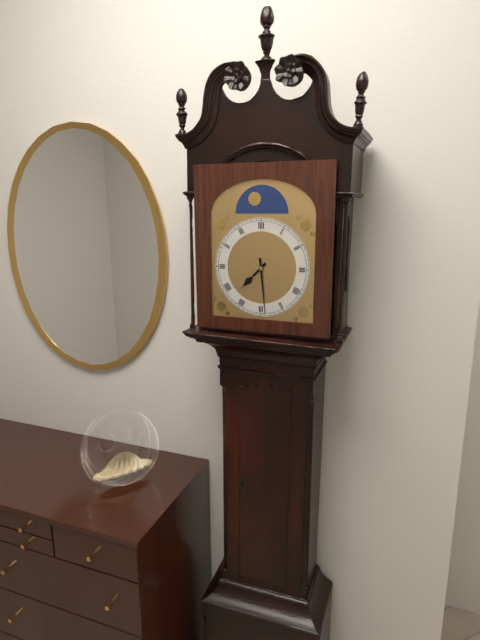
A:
h=7 m=29
